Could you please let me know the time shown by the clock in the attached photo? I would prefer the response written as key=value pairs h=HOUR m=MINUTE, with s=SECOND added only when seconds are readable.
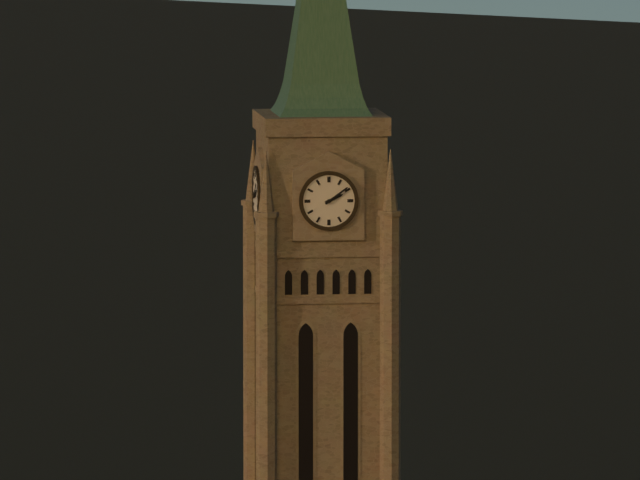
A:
h=2 m=9
